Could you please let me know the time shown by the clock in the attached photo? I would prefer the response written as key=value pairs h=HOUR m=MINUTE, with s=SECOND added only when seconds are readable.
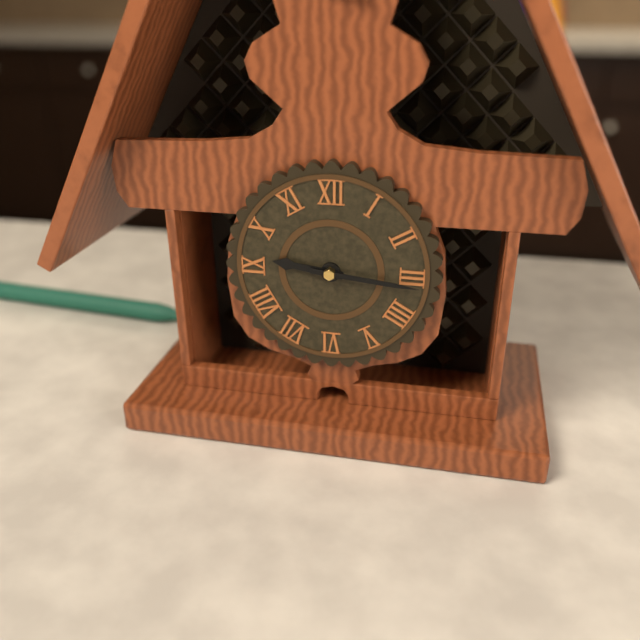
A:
h=9 m=16
